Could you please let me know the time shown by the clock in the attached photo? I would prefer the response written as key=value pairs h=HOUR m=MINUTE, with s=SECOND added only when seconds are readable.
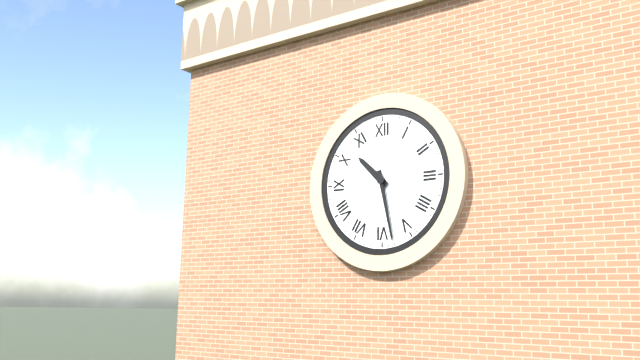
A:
h=10 m=28
